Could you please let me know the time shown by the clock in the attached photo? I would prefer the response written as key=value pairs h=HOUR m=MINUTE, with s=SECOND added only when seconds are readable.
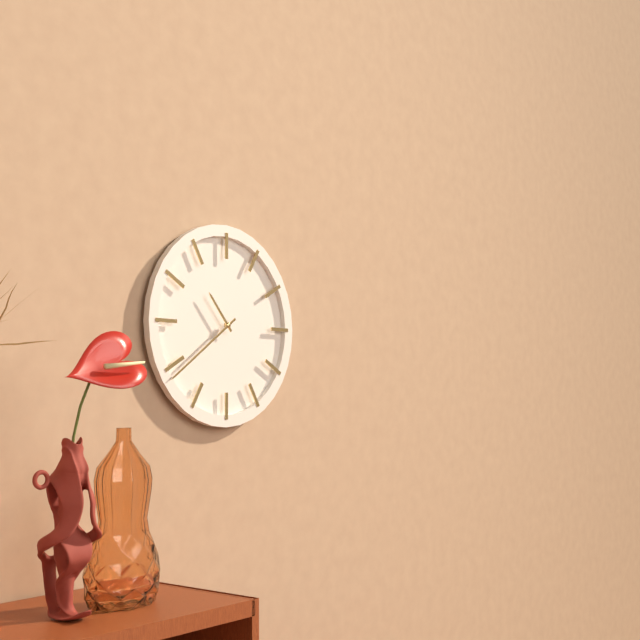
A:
h=10 m=39
